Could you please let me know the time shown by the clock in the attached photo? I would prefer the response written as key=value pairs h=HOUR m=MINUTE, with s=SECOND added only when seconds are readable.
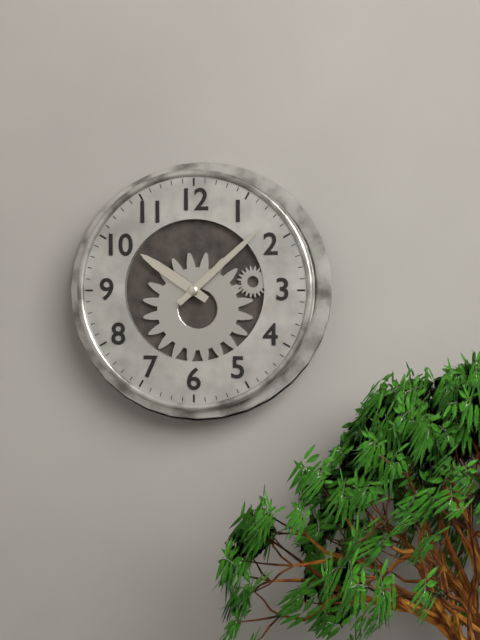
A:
h=10 m=8
